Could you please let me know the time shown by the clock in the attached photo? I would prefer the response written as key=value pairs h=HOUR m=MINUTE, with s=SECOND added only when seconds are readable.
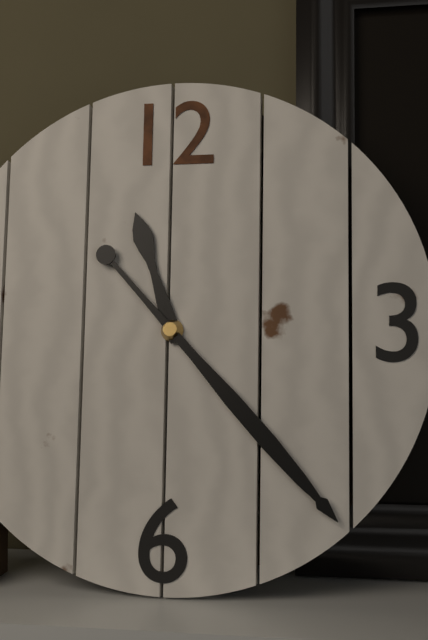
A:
h=11 m=23
